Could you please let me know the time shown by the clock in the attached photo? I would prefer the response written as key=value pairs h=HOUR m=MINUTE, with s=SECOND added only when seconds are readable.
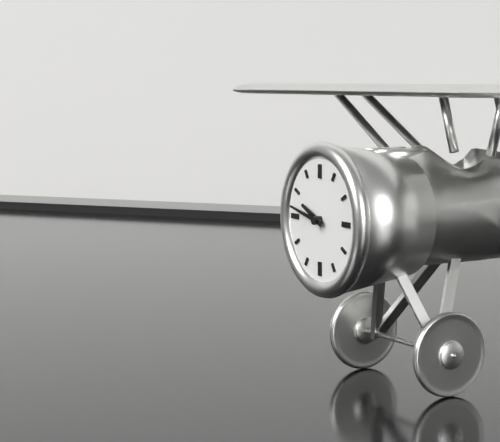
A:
h=9 m=47
